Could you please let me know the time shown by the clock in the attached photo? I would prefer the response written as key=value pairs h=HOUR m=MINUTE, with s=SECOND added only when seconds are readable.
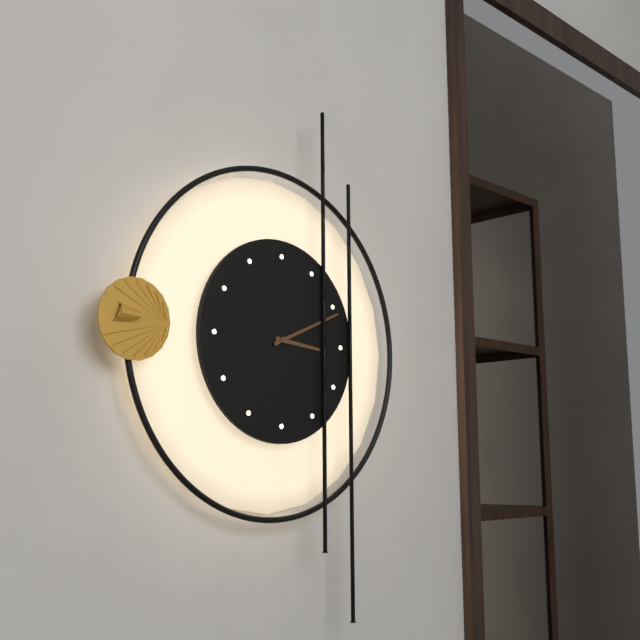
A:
h=3 m=11
